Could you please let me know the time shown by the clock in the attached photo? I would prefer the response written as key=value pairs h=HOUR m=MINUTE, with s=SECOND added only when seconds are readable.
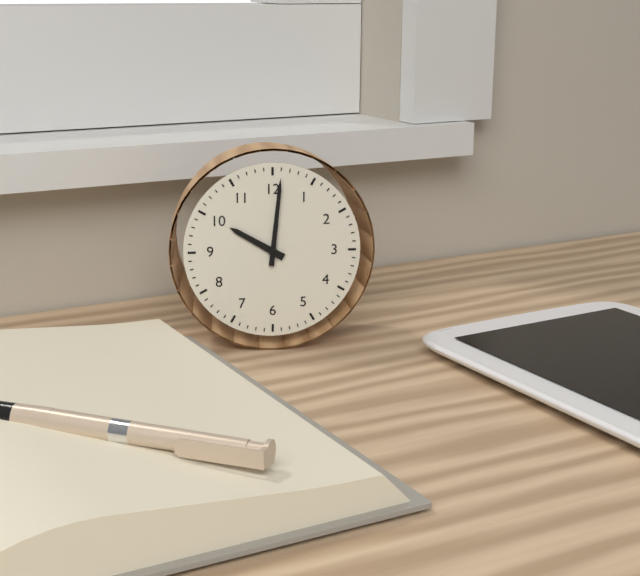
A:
h=10 m=1
